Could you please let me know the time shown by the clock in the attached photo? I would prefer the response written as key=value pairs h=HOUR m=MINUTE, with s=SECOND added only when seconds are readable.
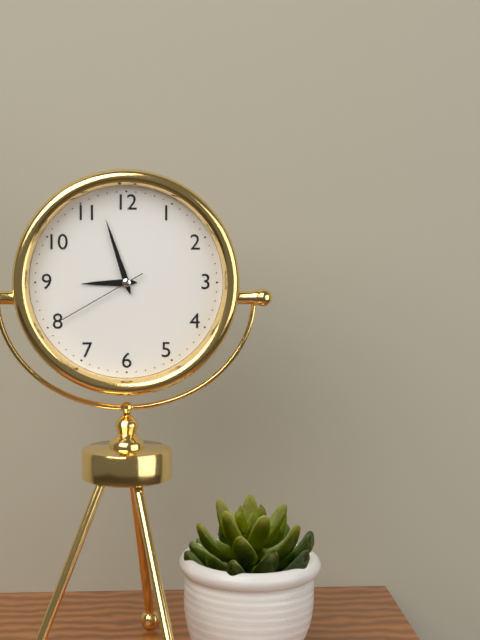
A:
h=8 m=57 s=40
